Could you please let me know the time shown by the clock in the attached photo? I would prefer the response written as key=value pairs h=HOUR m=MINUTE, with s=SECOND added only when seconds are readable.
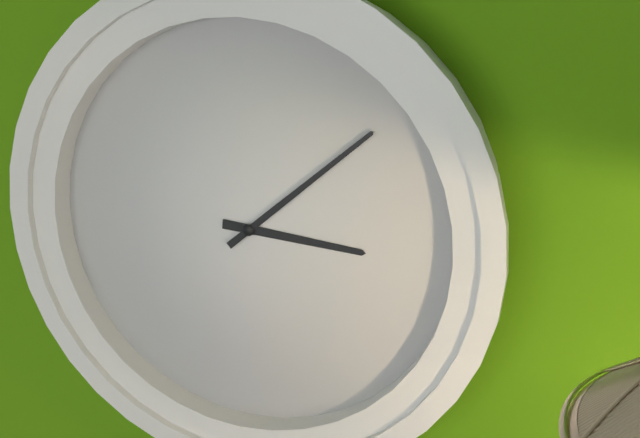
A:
h=3 m=8
